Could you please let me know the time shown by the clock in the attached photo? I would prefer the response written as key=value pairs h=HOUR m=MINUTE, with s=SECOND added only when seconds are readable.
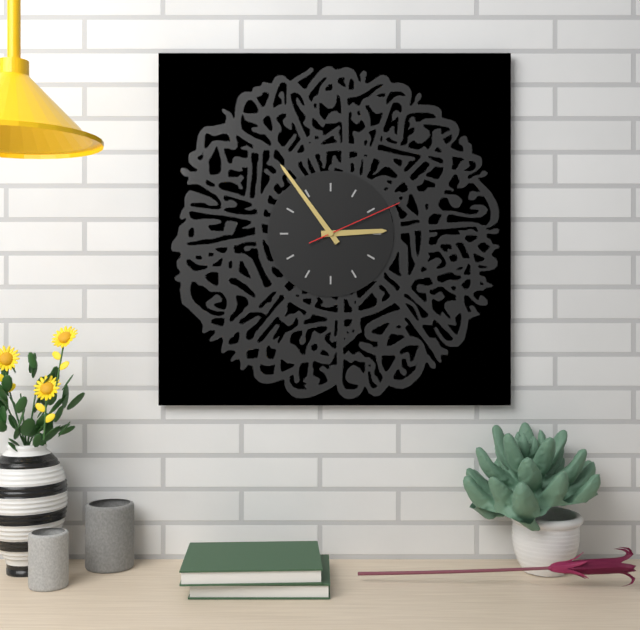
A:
h=2 m=54 s=11
